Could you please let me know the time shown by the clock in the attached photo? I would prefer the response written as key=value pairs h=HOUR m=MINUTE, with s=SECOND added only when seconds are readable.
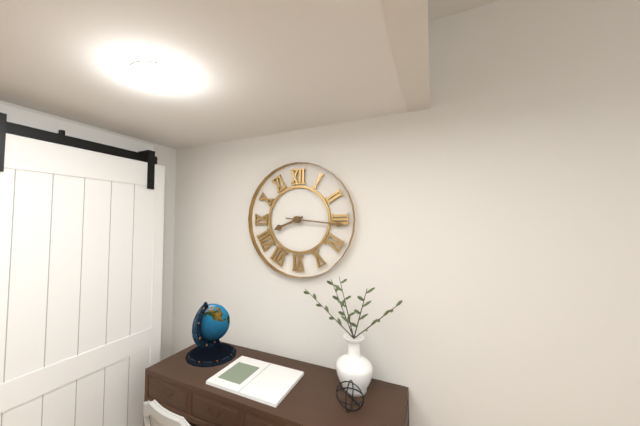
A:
h=8 m=16
